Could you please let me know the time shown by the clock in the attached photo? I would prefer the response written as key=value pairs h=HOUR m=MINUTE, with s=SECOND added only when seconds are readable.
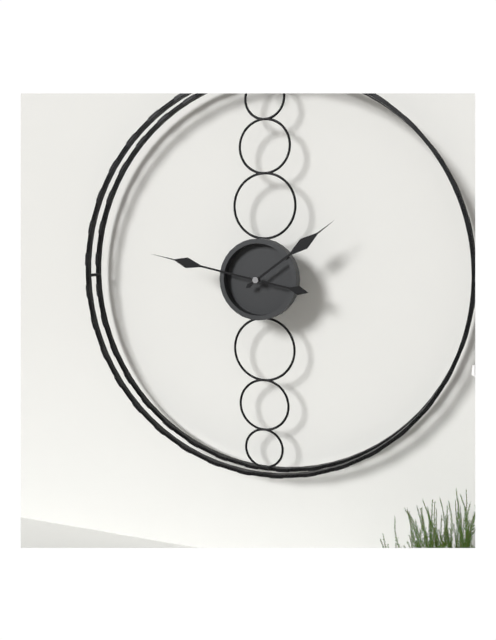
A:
h=1 m=47
